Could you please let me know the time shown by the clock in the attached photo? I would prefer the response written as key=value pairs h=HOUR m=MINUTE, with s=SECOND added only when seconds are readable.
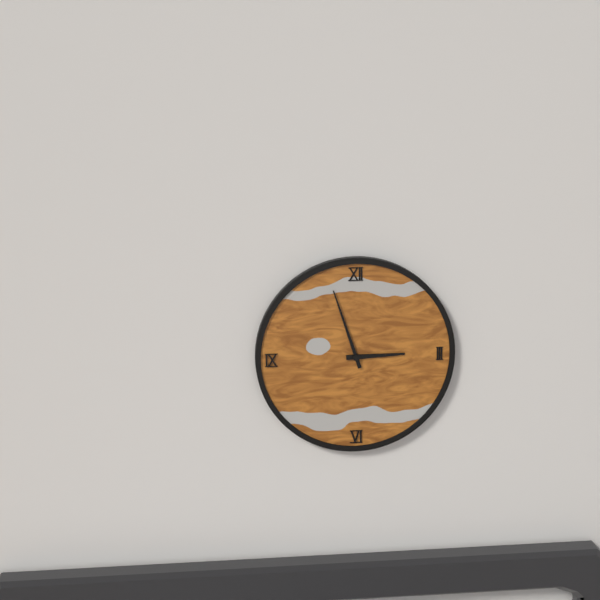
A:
h=2 m=57
